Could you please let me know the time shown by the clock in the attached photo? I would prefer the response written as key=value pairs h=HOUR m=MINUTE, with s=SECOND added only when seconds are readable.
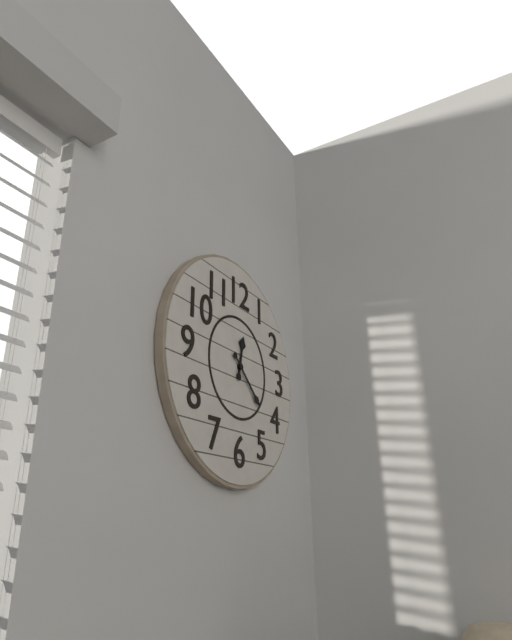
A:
h=12 m=22
